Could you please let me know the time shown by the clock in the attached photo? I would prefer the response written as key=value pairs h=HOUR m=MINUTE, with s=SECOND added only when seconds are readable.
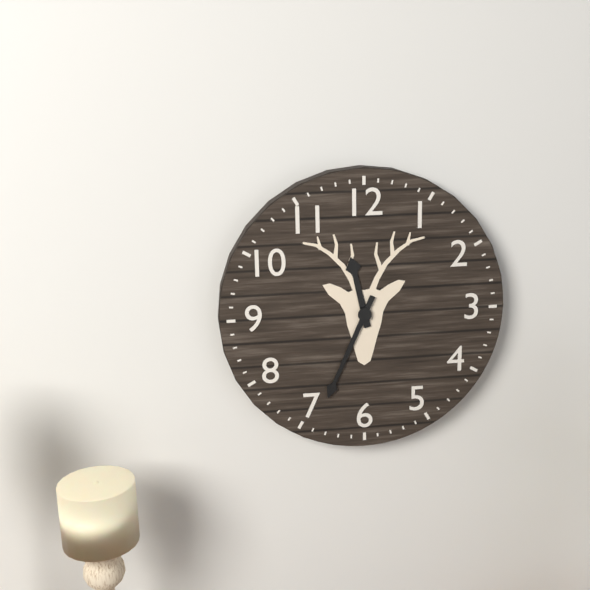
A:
h=11 m=34
